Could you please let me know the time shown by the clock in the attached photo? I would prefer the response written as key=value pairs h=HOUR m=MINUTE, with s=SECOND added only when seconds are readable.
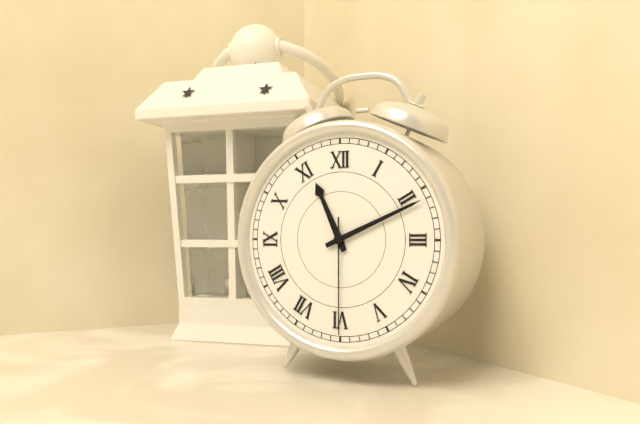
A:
h=11 m=11 s=30
